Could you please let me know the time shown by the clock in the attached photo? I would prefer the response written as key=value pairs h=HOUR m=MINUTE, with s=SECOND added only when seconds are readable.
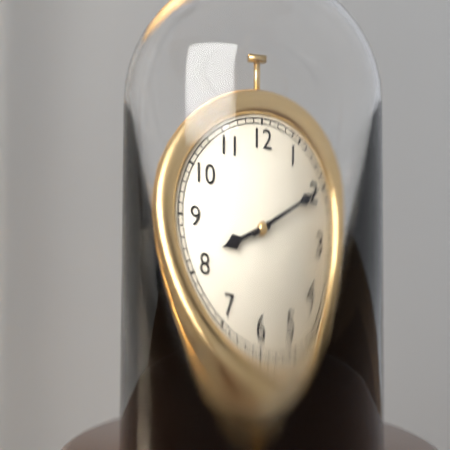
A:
h=8 m=10
